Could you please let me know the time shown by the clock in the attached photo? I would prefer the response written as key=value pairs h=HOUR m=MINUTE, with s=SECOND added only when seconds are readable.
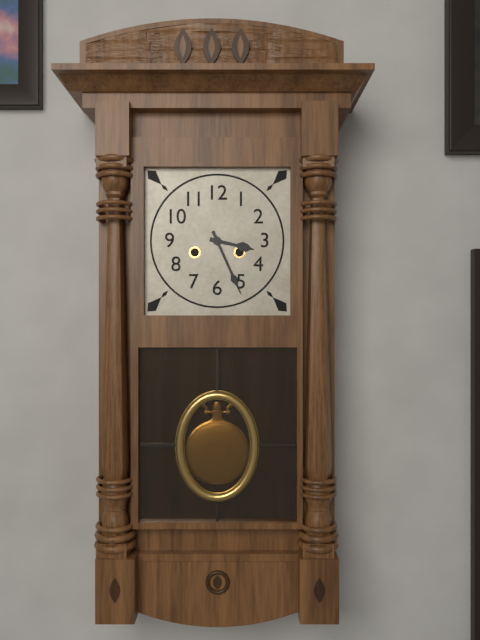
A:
h=3 m=26
